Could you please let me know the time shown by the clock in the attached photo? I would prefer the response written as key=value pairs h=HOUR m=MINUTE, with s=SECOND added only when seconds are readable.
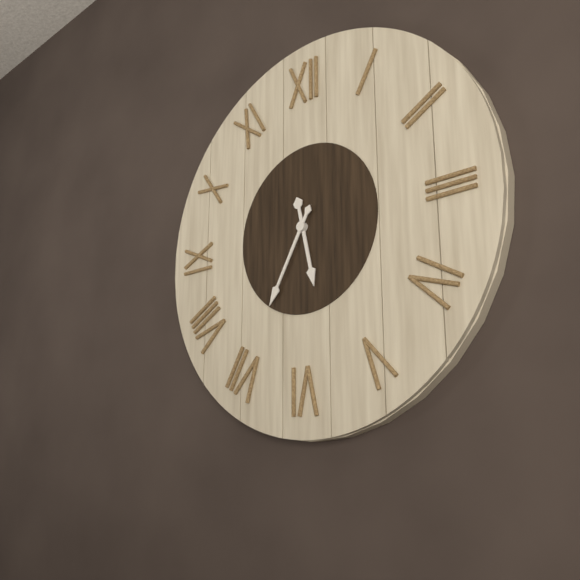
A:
h=5 m=35
